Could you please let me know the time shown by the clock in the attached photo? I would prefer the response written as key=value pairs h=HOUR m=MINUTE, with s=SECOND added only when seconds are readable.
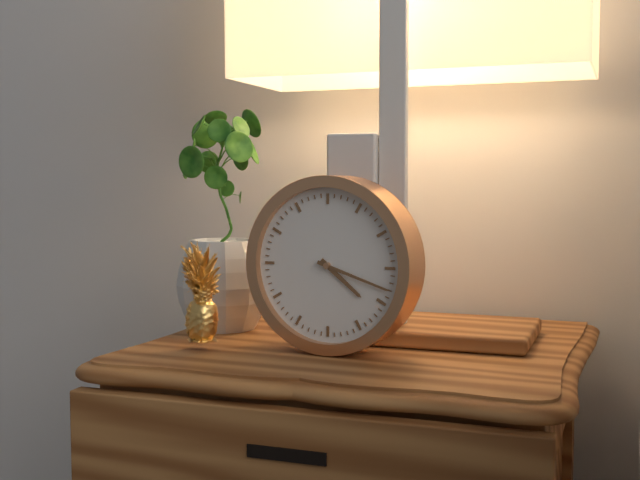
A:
h=4 m=18
